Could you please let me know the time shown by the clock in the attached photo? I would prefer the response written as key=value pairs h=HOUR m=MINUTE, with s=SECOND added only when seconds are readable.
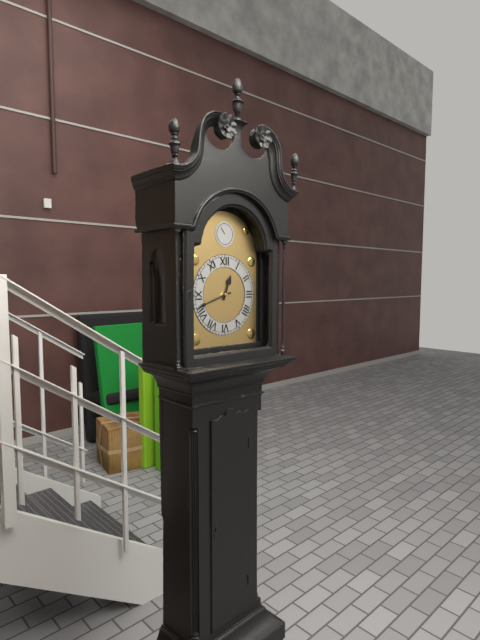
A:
h=12 m=42
